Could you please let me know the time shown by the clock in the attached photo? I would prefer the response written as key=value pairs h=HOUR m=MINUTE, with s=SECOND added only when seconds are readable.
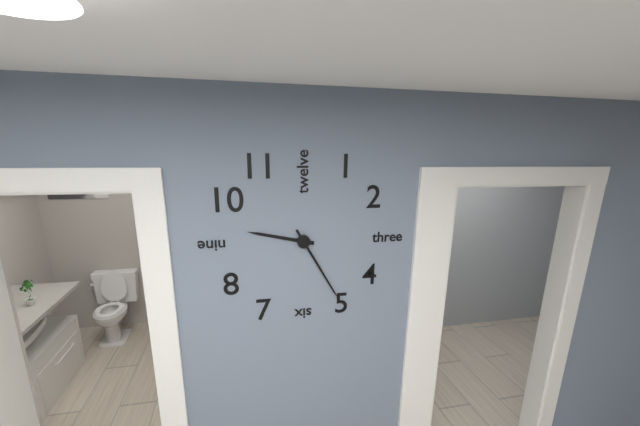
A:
h=9 m=25
